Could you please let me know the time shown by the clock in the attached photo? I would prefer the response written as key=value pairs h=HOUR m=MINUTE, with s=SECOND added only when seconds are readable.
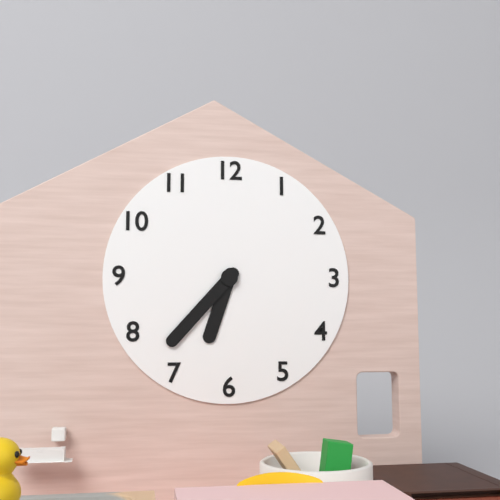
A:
h=6 m=37
